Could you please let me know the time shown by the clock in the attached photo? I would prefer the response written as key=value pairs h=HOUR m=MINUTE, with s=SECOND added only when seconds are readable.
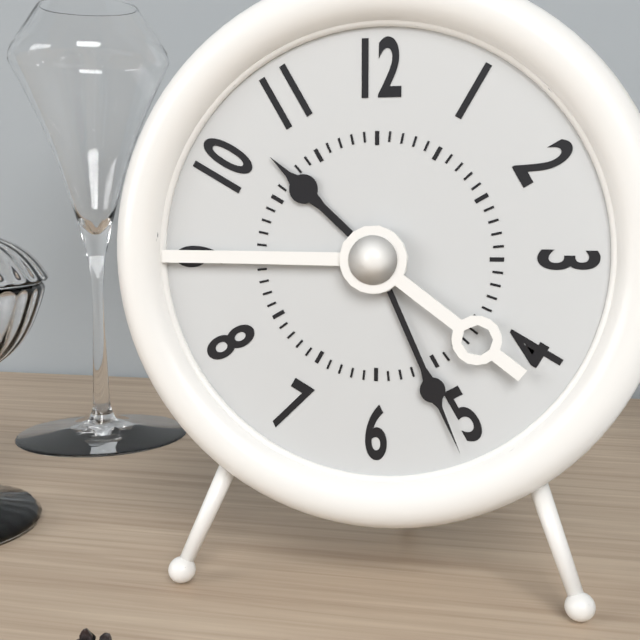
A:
h=10 m=26
